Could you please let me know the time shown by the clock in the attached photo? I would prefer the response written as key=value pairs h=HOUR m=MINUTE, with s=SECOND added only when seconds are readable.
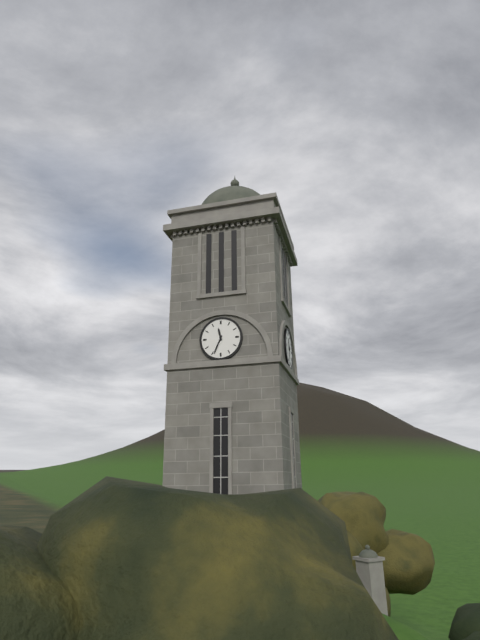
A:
h=11 m=34
